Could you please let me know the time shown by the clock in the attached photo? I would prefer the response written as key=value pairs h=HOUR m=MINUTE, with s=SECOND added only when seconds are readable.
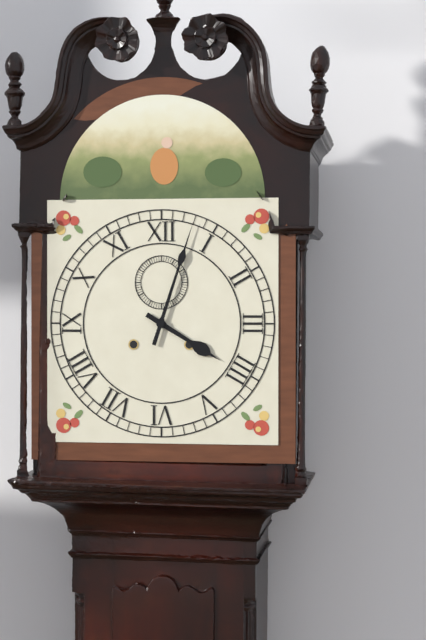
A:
h=4 m=3
